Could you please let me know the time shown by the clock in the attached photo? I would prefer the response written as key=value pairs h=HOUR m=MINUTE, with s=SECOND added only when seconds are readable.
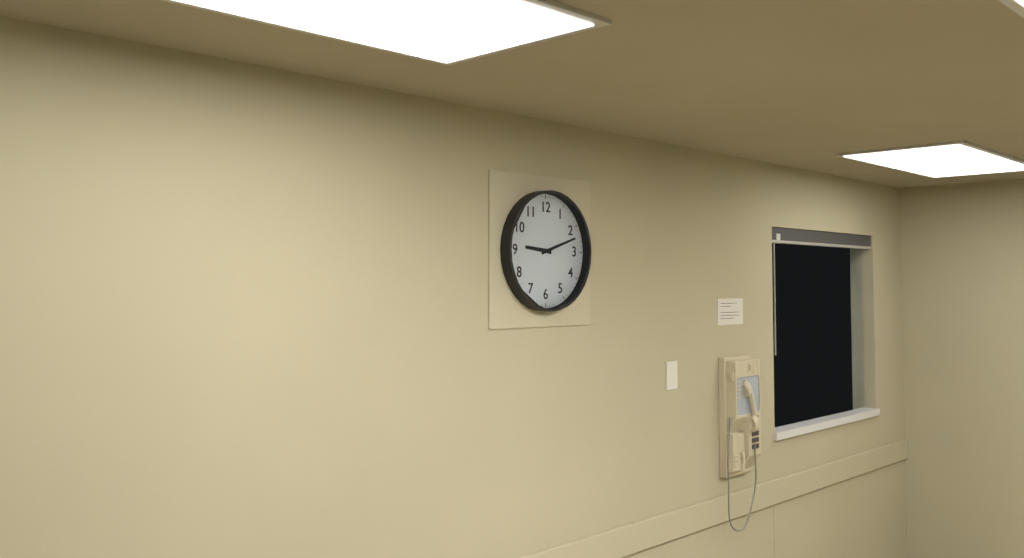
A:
h=9 m=12
